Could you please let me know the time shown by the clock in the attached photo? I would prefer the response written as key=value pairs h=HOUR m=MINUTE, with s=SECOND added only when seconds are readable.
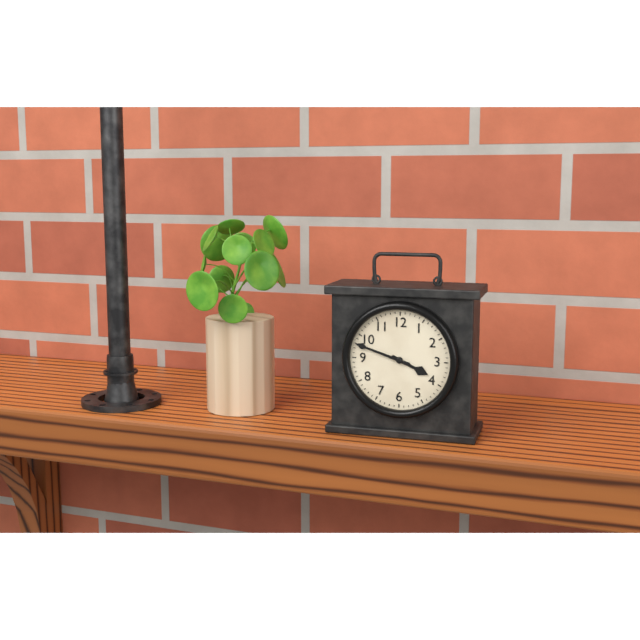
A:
h=3 m=48
